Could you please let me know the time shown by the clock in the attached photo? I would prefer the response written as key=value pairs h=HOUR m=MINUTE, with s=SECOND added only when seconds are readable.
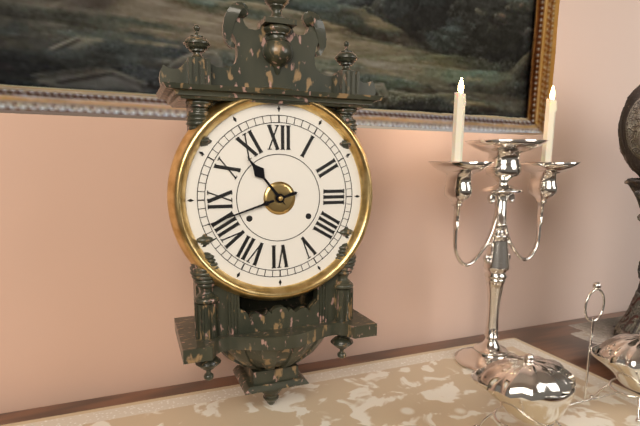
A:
h=10 m=42
